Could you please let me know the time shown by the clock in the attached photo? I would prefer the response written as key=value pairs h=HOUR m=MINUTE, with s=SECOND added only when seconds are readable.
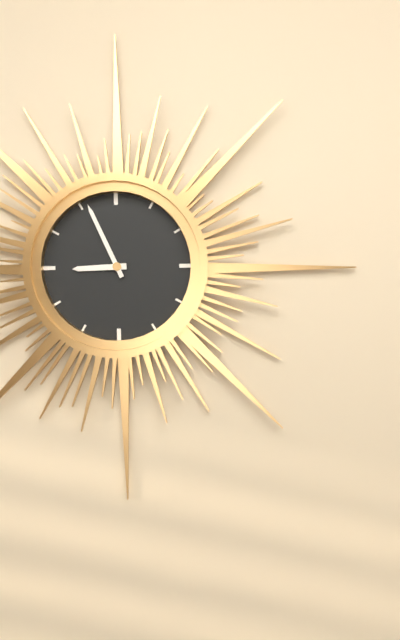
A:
h=8 m=56
